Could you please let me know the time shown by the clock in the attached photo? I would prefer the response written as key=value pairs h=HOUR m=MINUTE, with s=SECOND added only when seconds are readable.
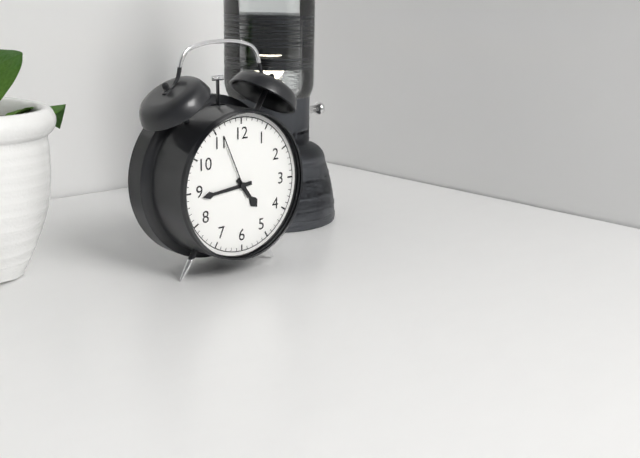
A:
h=4 m=44 s=56
